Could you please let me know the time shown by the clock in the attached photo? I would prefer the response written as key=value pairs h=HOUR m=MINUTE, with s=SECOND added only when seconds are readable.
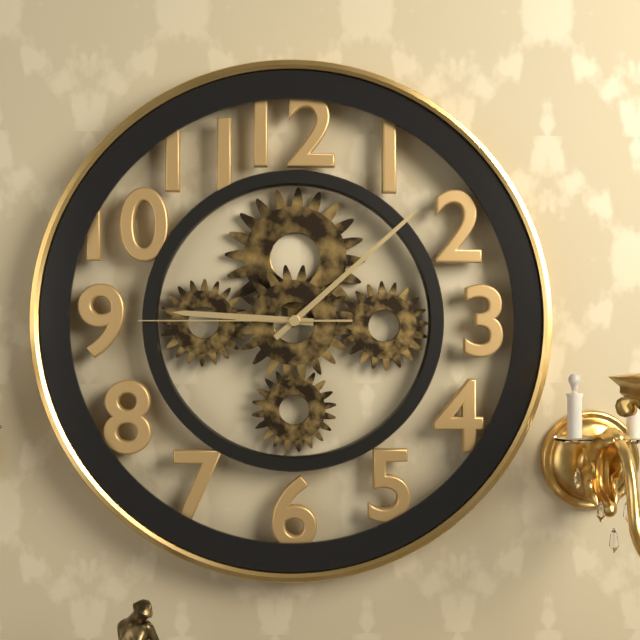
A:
h=9 m=8 s=45
